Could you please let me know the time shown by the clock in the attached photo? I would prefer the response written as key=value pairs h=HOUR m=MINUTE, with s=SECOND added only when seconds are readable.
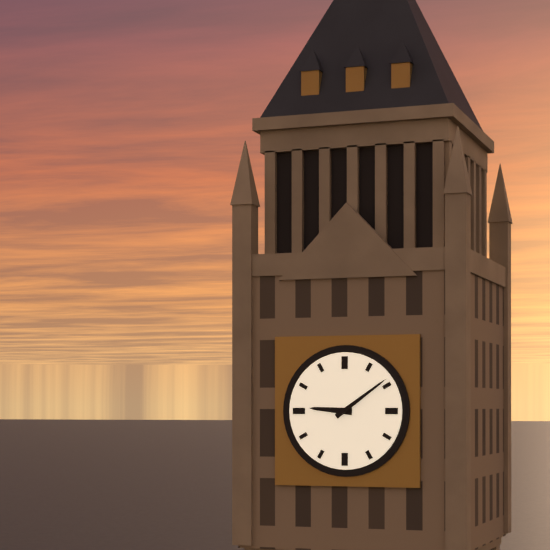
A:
h=9 m=9
